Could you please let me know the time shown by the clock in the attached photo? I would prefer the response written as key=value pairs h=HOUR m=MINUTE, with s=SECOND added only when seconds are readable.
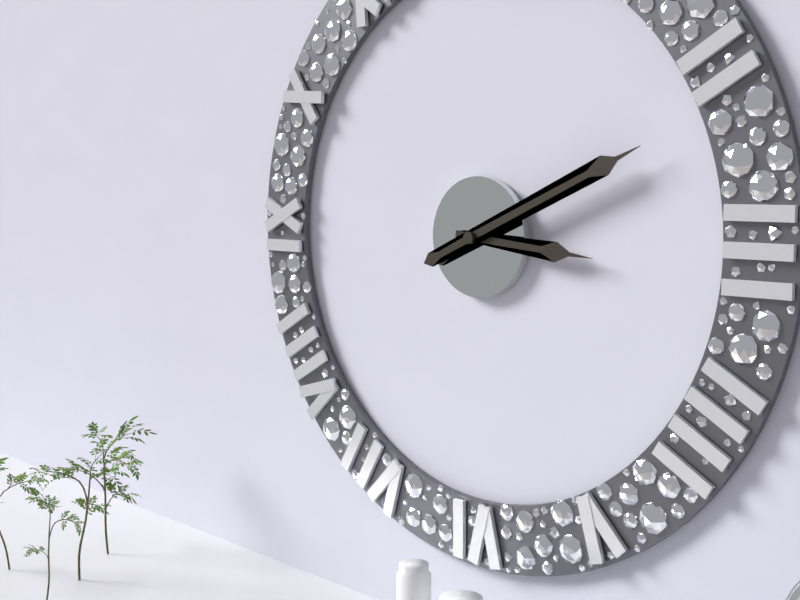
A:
h=3 m=11
